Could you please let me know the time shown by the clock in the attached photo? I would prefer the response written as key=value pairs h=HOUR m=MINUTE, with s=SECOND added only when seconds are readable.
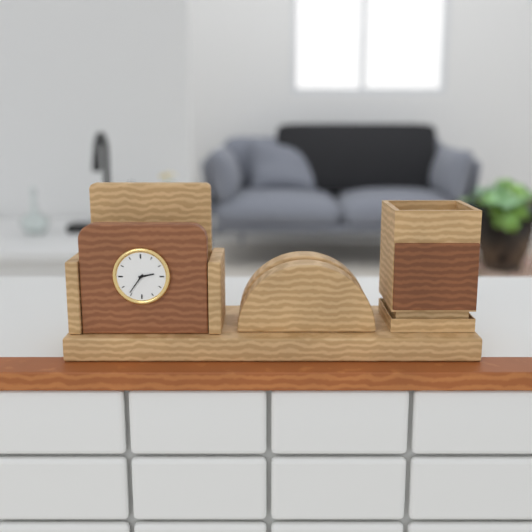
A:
h=2 m=36
